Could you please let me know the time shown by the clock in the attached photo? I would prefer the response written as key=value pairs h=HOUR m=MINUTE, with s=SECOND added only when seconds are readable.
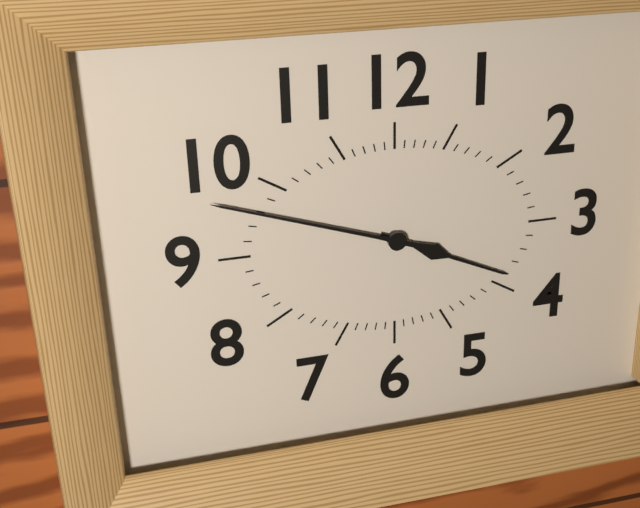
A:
h=3 m=48
